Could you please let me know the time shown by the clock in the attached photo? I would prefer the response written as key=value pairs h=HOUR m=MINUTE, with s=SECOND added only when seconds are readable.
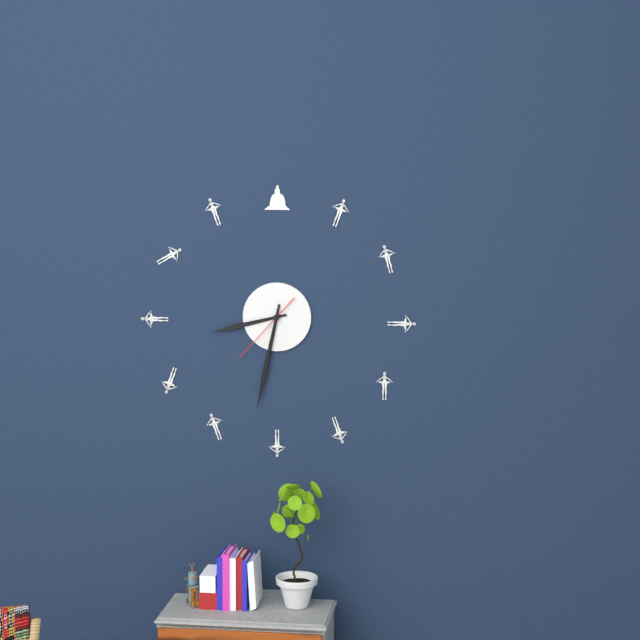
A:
h=8 m=32 s=37
